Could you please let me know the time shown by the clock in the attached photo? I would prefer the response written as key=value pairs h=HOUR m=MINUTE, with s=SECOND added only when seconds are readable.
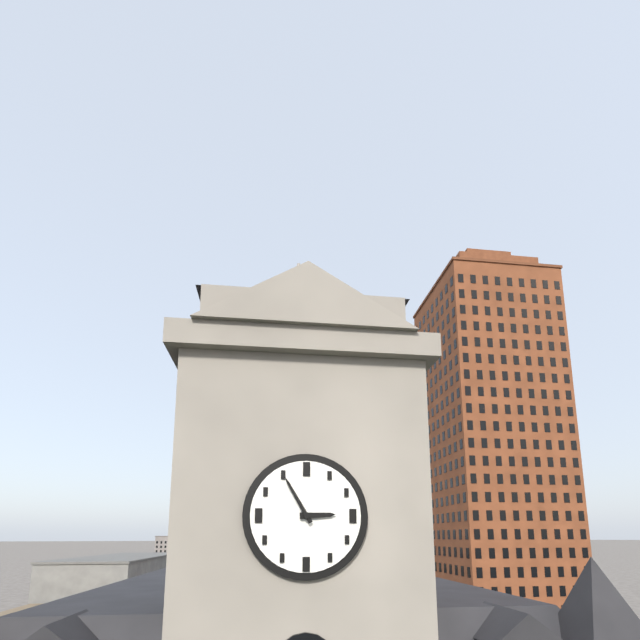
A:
h=2 m=55
